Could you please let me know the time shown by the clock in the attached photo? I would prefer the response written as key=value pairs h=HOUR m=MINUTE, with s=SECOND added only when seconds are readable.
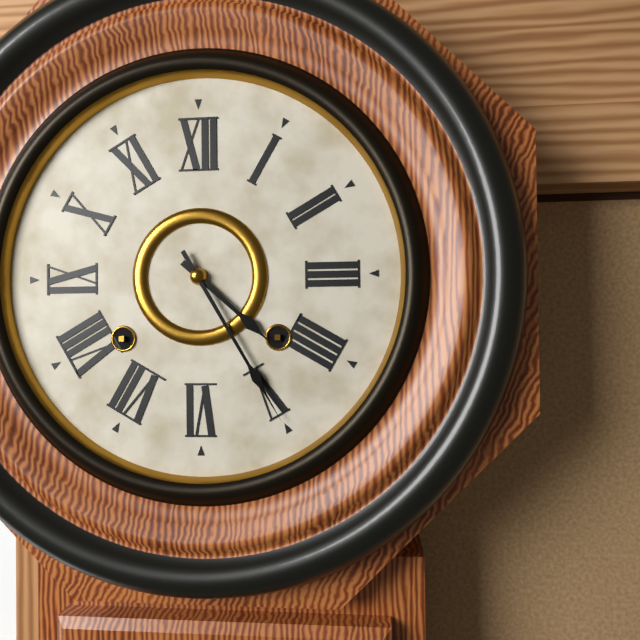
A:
h=4 m=25
